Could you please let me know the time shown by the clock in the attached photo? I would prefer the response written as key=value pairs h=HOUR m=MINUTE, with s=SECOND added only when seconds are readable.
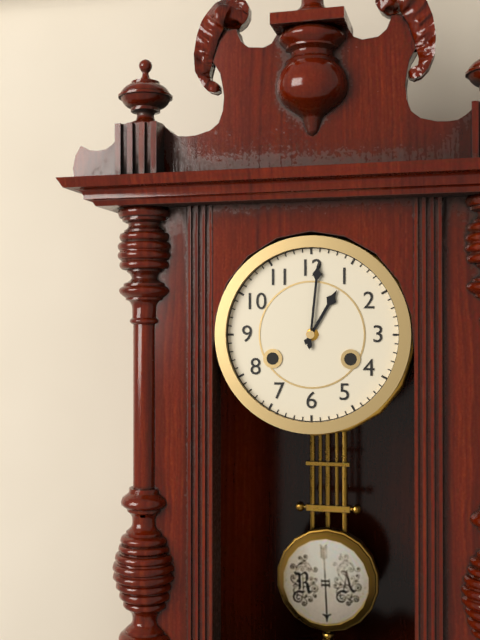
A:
h=1 m=1
